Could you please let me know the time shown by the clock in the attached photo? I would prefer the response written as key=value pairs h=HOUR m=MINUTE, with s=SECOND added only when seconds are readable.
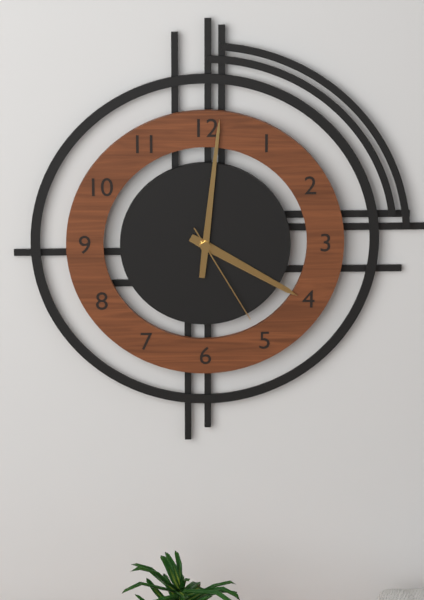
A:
h=4 m=1 s=25
